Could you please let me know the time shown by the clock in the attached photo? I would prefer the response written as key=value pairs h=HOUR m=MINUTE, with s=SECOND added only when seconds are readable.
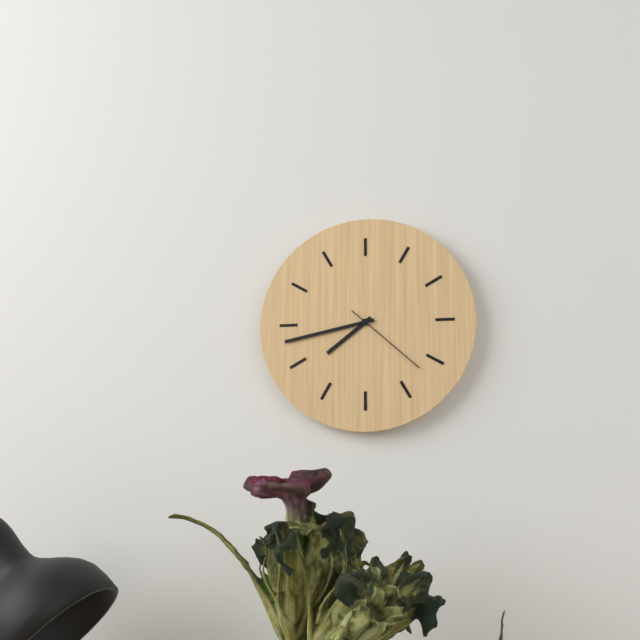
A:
h=7 m=43 s=22
